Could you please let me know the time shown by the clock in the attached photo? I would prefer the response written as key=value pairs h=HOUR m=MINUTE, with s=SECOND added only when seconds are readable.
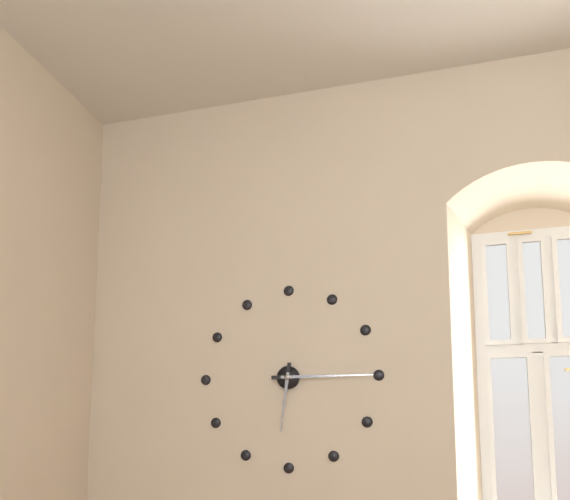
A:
h=6 m=15
